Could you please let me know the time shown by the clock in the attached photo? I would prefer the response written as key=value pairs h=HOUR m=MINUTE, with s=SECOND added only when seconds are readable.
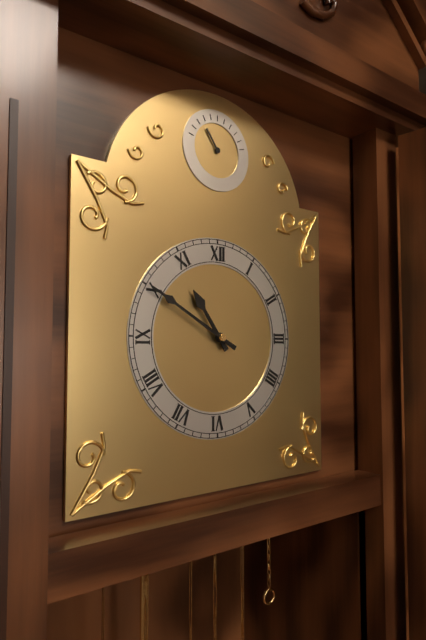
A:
h=10 m=50
